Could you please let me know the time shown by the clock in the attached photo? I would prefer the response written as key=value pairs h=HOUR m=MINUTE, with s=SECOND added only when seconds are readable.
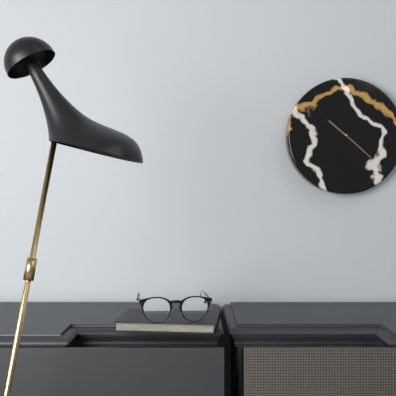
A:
h=10 m=22
